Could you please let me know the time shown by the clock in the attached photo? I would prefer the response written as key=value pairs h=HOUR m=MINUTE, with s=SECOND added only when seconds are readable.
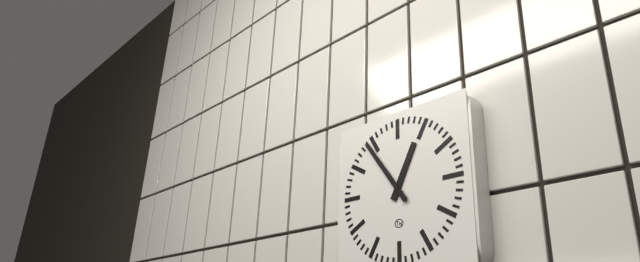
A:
h=12 m=54
